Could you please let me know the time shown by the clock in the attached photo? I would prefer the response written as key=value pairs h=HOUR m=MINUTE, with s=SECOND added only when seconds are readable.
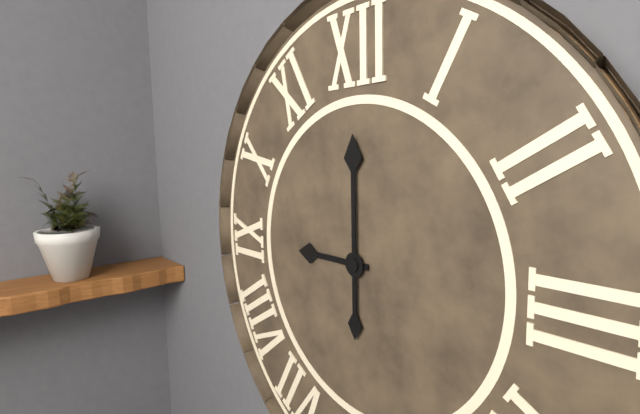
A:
h=9 m=0
